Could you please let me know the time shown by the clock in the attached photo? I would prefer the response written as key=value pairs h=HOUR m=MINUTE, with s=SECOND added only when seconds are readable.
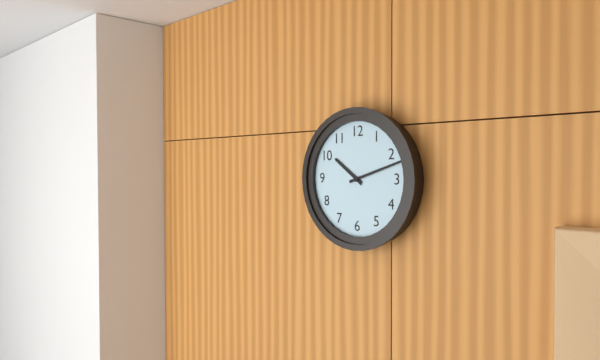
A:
h=10 m=12
